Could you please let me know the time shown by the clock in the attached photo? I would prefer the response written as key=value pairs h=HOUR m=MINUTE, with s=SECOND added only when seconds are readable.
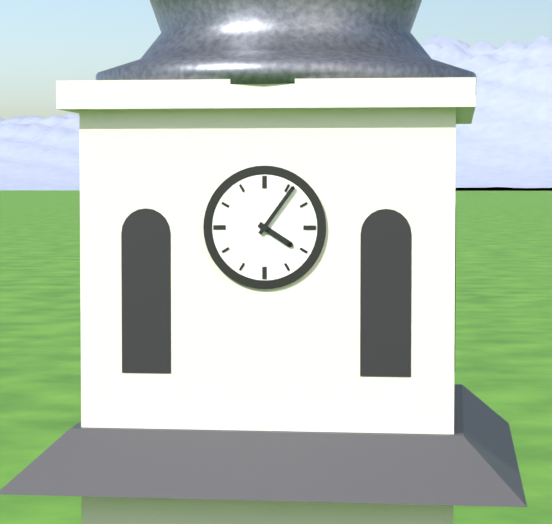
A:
h=4 m=6
